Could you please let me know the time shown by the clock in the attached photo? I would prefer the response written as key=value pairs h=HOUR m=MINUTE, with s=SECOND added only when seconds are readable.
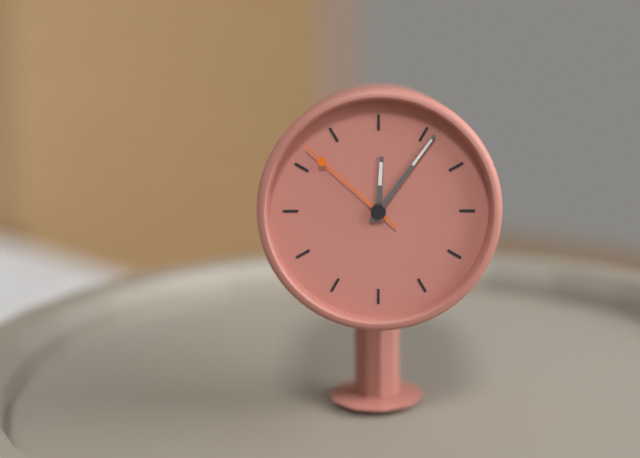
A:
h=12 m=6 s=52
